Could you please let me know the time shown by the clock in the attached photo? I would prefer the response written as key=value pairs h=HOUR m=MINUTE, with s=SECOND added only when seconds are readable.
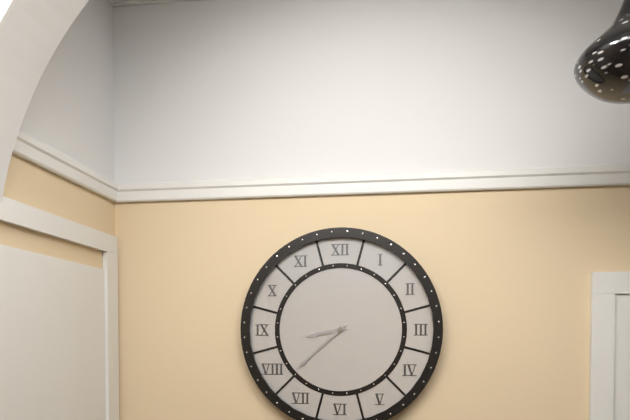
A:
h=8 m=38
